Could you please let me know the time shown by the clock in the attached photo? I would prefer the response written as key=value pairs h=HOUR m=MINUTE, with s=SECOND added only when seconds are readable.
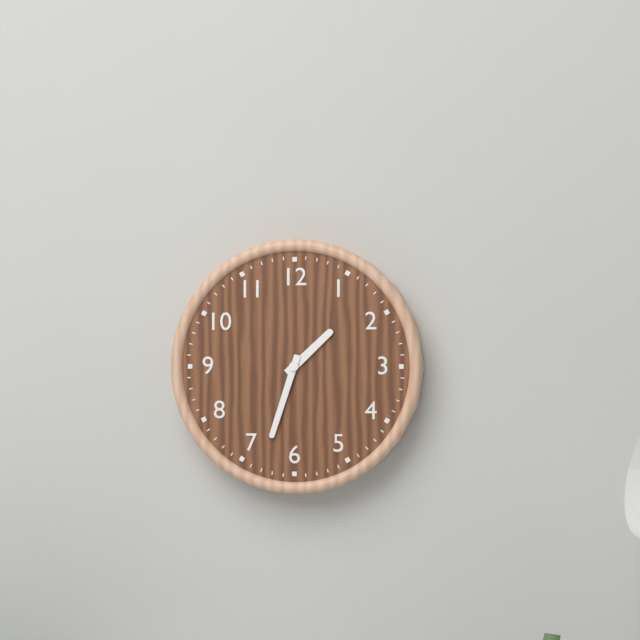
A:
h=1 m=33
